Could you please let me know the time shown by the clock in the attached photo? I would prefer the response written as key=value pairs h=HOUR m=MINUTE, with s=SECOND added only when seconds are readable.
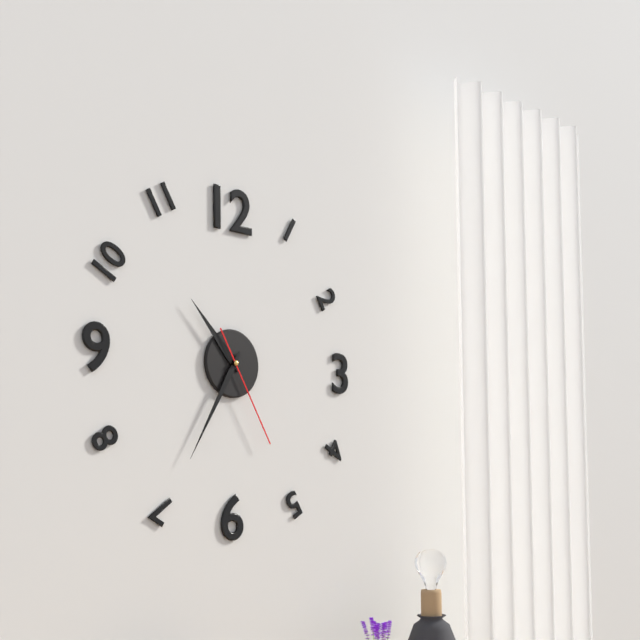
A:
h=10 m=35 s=25
